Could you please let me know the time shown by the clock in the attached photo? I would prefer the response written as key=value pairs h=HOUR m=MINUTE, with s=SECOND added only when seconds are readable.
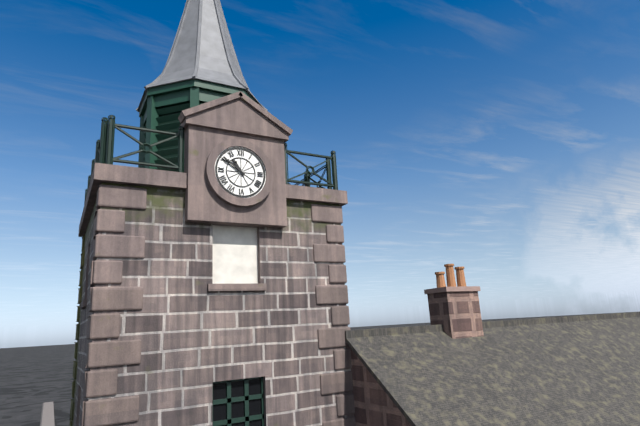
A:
h=10 m=51
